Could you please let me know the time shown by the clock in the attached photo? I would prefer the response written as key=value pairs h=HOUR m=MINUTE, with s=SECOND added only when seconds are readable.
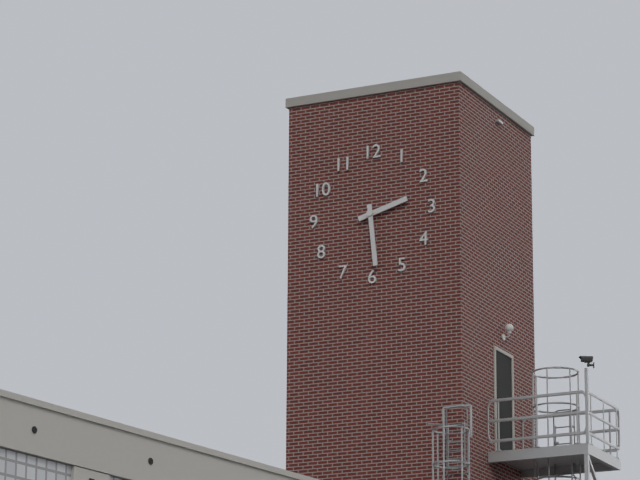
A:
h=2 m=29
